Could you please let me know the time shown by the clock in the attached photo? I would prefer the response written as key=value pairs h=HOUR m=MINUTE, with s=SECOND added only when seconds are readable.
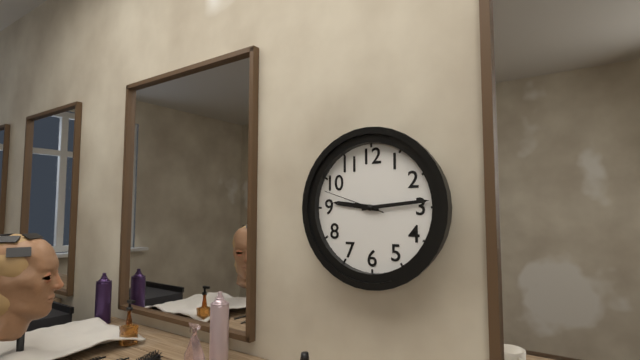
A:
h=9 m=14 s=48
